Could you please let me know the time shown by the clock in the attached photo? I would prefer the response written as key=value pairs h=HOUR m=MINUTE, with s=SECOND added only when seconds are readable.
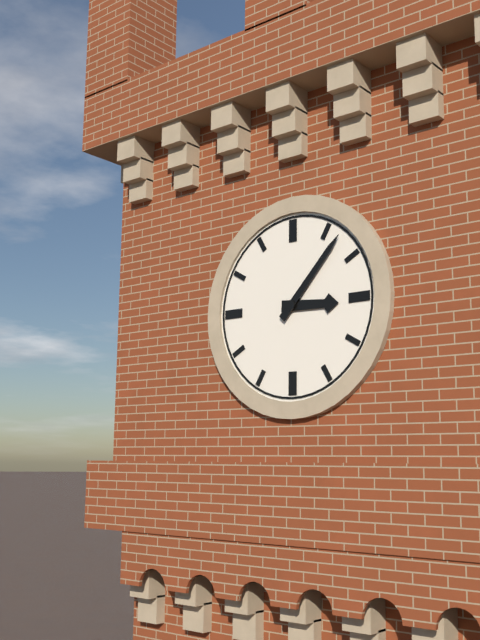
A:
h=3 m=7
